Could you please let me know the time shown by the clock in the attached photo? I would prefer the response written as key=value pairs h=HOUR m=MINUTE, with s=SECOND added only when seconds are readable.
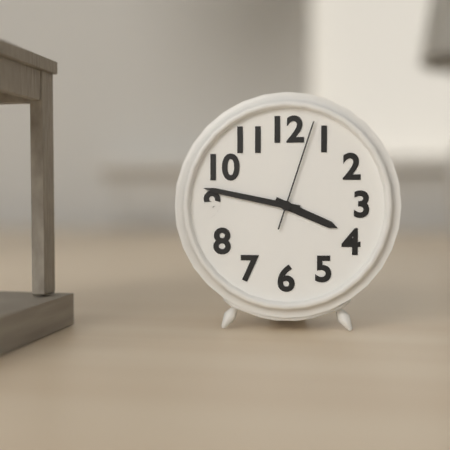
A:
h=3 m=47 s=3
